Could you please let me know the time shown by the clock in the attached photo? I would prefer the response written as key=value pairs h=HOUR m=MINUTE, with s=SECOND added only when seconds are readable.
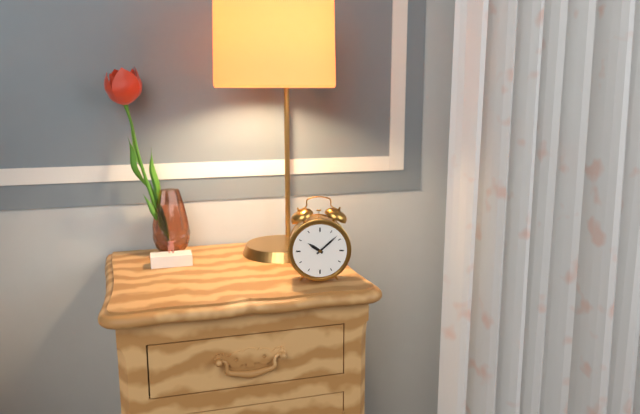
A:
h=10 m=8
